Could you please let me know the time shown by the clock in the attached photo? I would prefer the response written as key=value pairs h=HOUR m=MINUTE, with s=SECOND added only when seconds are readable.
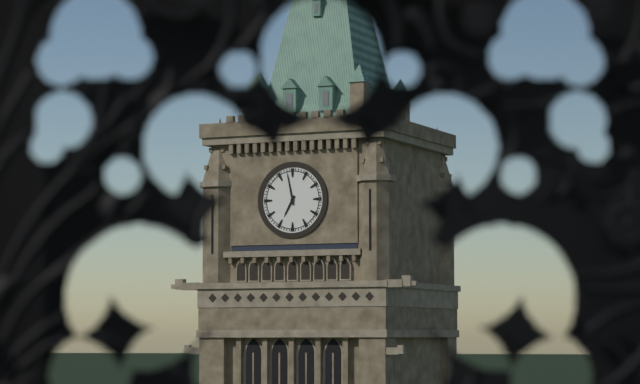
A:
h=6 m=58
